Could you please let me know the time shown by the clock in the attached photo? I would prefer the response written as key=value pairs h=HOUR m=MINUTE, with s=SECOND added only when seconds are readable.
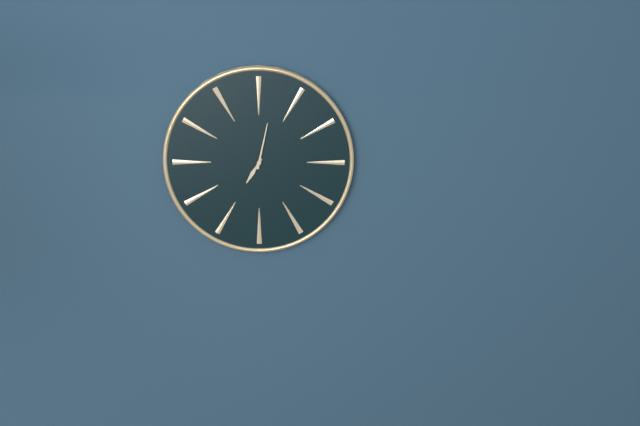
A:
h=7 m=2
